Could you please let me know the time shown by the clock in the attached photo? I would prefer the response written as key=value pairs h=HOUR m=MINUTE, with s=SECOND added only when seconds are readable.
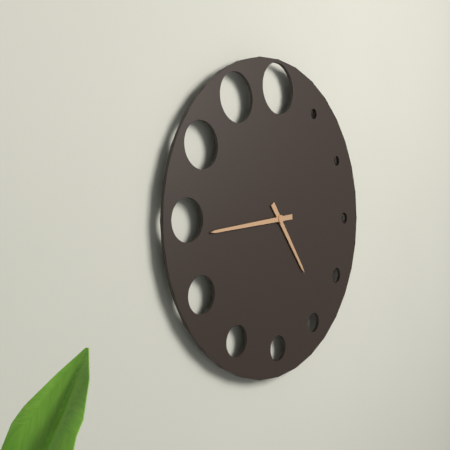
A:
h=4 m=44
